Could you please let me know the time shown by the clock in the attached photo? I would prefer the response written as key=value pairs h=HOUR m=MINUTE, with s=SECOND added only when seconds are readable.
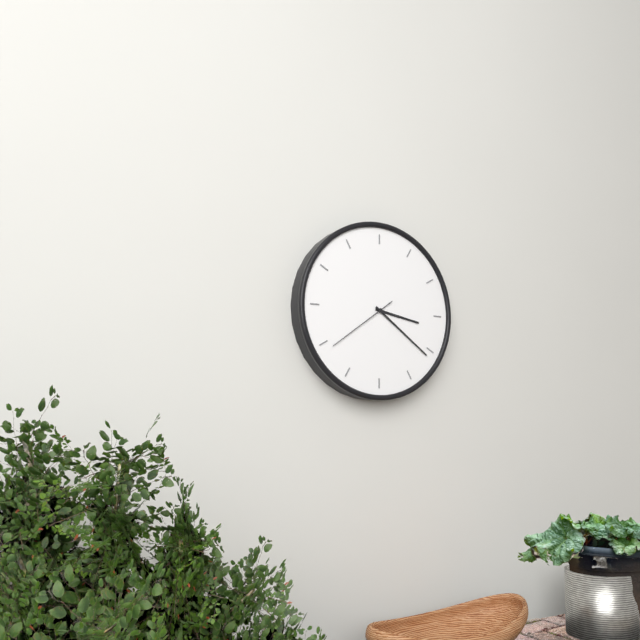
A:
h=3 m=21 s=39
